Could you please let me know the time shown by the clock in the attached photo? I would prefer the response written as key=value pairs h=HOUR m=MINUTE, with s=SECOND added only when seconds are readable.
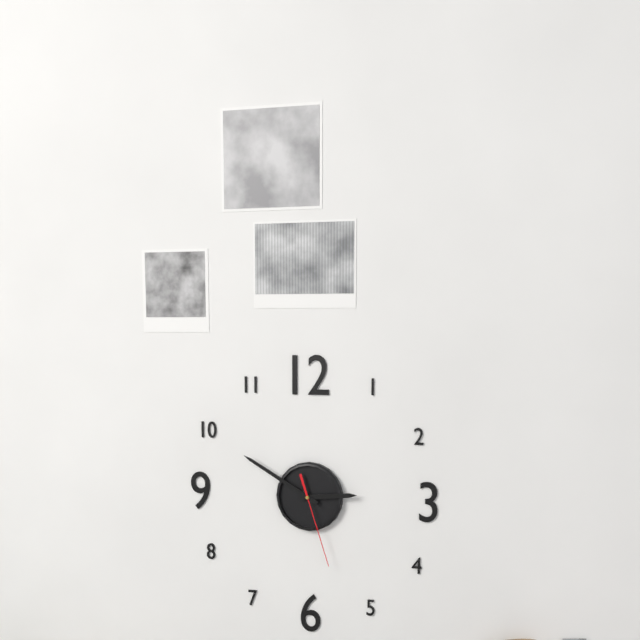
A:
h=2 m=50 s=27
